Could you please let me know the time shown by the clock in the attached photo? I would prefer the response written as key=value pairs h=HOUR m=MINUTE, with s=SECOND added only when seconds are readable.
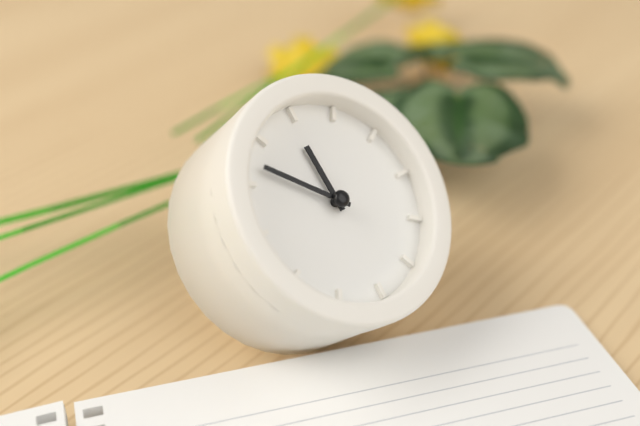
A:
h=11 m=52
